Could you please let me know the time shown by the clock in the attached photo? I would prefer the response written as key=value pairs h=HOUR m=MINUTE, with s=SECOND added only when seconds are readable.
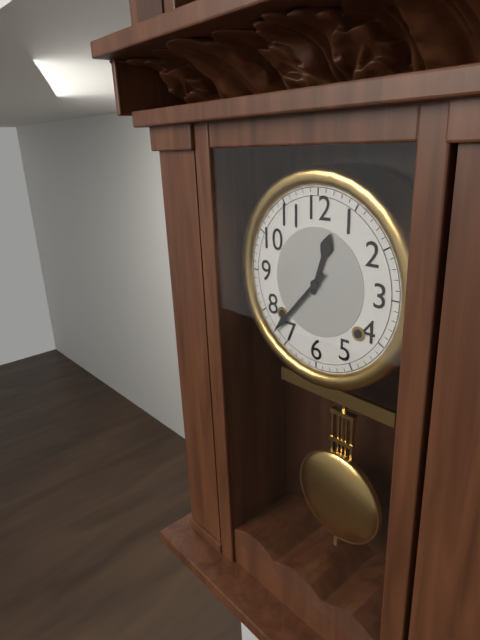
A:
h=12 m=37
